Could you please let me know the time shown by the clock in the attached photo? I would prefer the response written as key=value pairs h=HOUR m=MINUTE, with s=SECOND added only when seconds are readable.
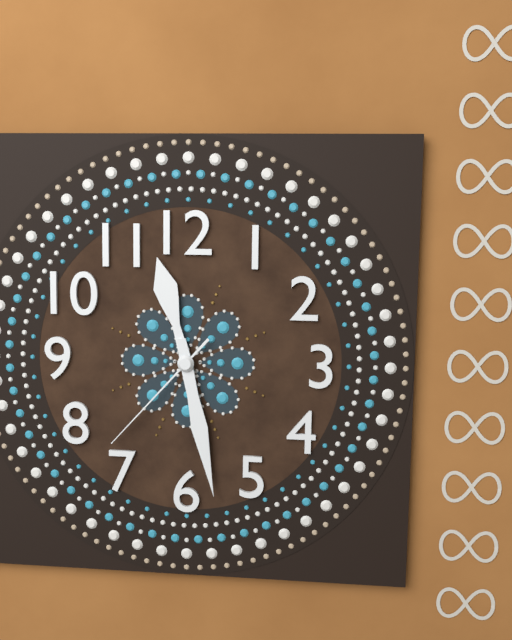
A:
h=11 m=28 s=37
